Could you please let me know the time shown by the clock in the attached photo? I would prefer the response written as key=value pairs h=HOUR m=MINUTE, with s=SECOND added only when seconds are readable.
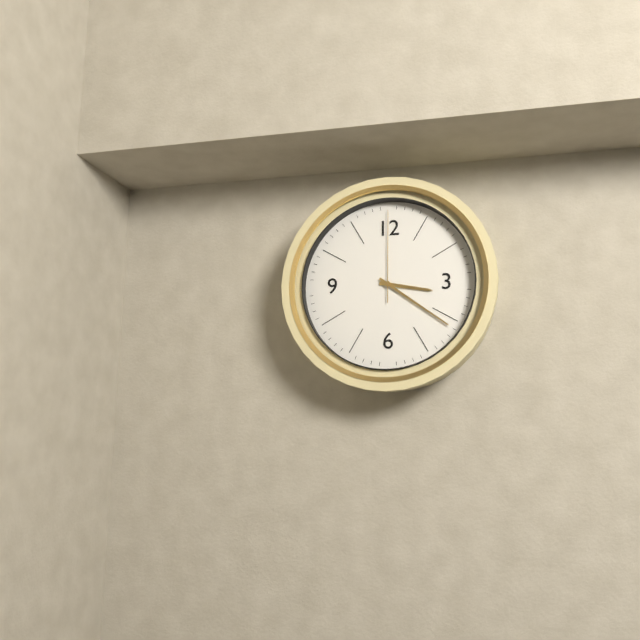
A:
h=3 m=21 s=0
